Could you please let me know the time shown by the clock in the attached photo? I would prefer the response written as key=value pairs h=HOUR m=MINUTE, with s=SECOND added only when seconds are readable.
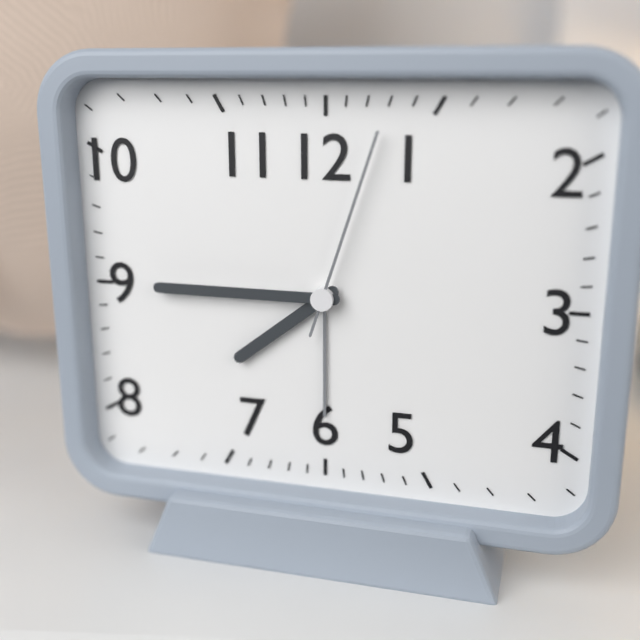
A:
h=7 m=45 s=3
